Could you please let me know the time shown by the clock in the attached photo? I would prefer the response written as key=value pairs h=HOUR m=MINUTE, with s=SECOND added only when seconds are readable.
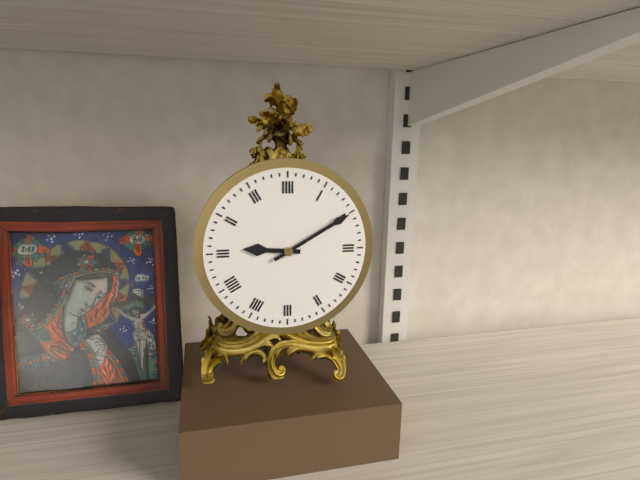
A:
h=9 m=10
